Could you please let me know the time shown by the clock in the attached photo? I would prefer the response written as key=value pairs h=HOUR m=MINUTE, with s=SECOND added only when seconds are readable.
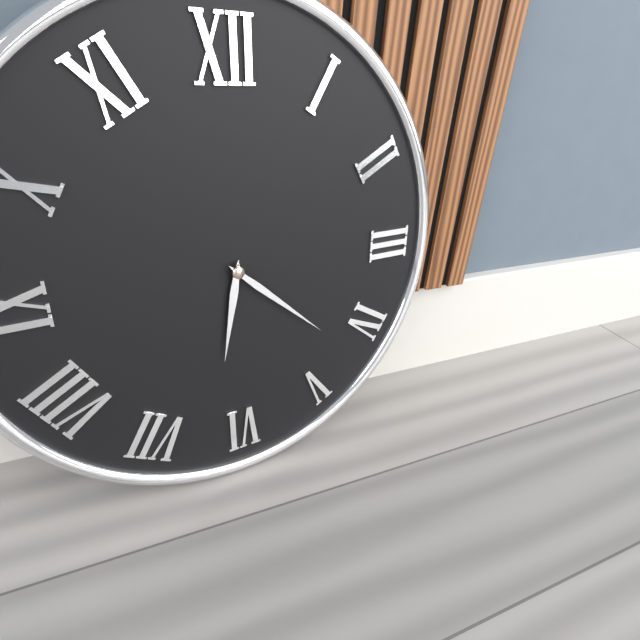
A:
h=6 m=22
